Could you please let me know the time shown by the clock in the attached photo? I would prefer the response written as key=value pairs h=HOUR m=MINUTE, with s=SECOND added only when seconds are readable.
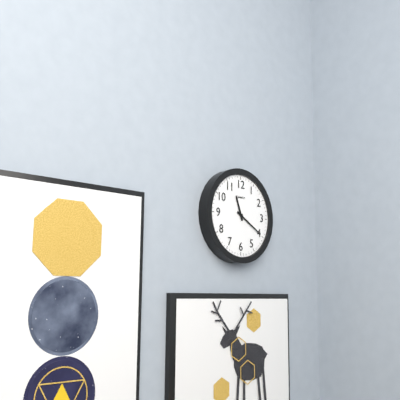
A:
h=11 m=20
